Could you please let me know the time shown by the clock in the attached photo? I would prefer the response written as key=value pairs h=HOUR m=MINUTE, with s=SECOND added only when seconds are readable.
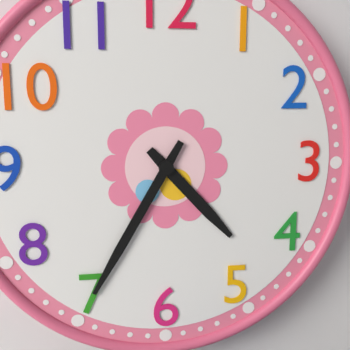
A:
h=4 m=35
